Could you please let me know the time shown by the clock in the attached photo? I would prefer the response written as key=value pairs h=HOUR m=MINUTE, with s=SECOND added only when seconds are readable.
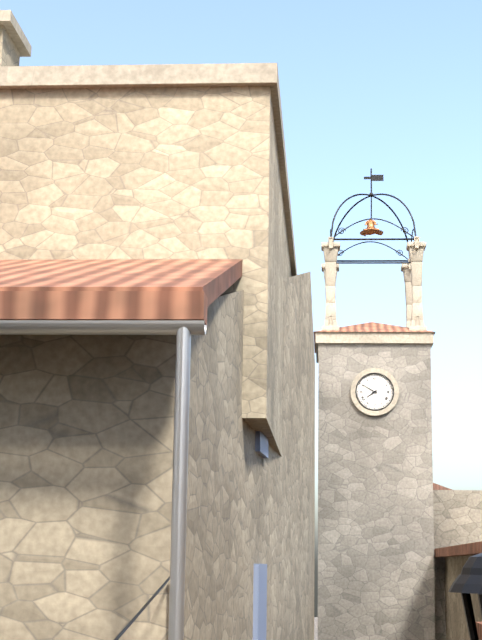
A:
h=7 m=50
